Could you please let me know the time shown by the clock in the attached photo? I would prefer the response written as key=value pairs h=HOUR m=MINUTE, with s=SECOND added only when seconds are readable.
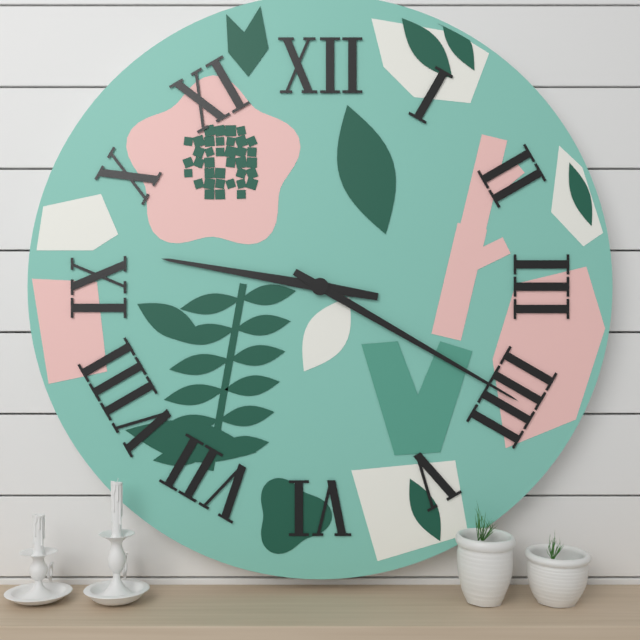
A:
h=9 m=20
